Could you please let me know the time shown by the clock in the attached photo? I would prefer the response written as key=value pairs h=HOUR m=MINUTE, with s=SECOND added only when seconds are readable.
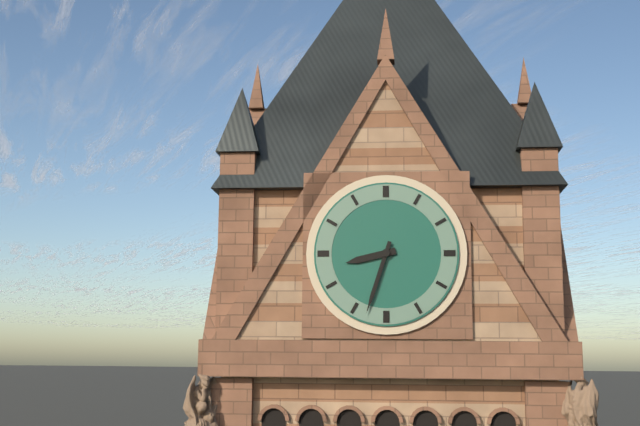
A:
h=8 m=33
